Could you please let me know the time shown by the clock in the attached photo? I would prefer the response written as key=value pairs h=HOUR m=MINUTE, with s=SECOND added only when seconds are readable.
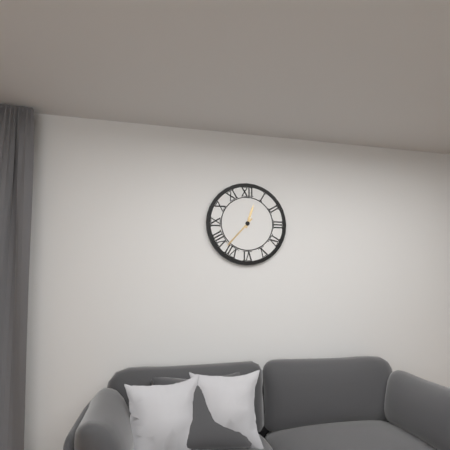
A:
h=12 m=37
